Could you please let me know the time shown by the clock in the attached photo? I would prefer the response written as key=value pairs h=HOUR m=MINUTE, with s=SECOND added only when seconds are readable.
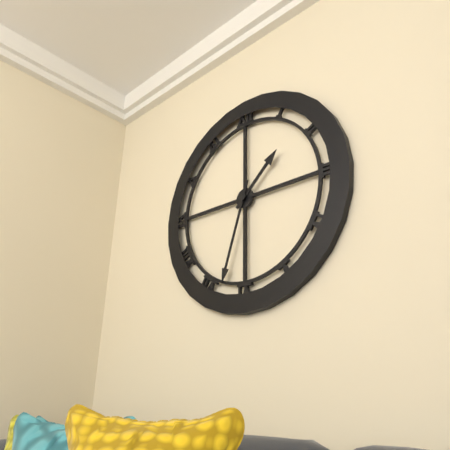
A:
h=1 m=33
